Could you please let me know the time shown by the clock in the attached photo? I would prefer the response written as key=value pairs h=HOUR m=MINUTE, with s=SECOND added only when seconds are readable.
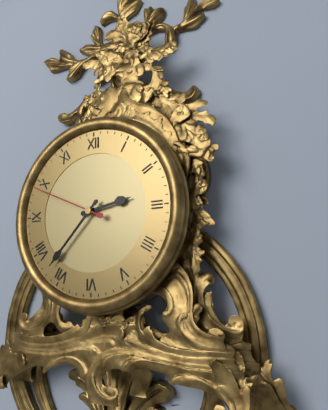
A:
h=2 m=37 s=49
